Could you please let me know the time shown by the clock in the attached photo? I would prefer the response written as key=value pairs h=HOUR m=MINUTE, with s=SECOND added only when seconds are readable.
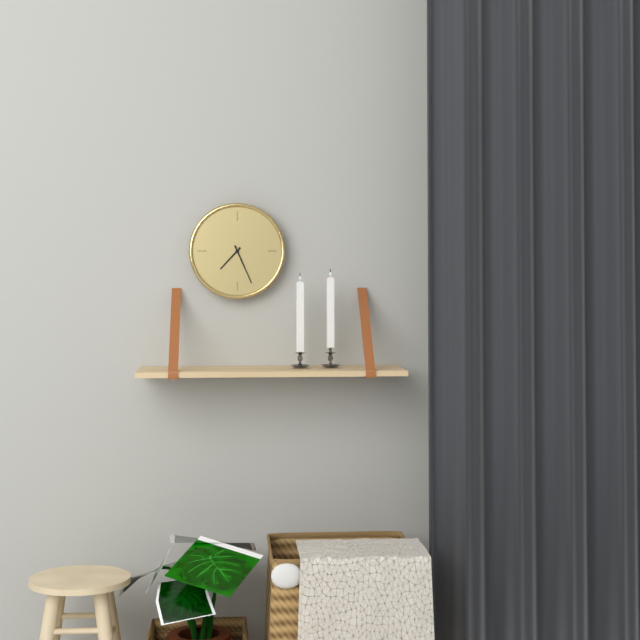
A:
h=7 m=26
